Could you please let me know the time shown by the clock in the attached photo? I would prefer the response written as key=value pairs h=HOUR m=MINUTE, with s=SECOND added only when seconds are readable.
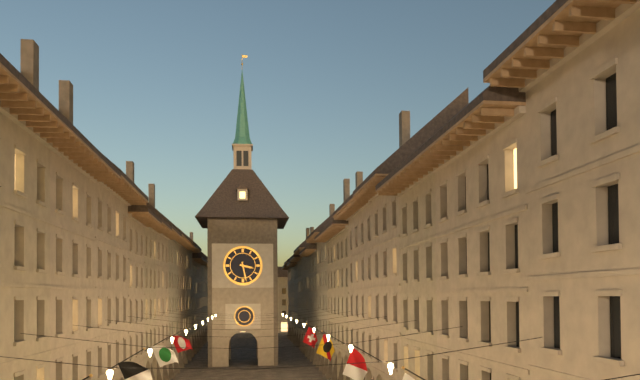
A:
h=3 m=28
